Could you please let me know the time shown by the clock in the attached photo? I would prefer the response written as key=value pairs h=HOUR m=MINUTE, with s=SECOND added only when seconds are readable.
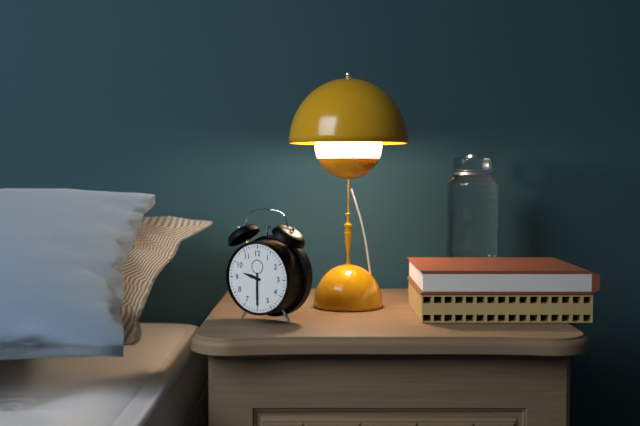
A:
h=9 m=30
